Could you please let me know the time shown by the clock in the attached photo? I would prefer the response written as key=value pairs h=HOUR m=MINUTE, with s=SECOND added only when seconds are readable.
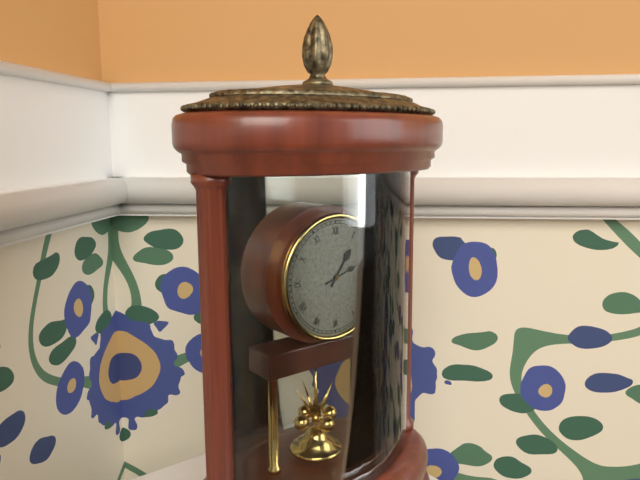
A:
h=1 m=12
